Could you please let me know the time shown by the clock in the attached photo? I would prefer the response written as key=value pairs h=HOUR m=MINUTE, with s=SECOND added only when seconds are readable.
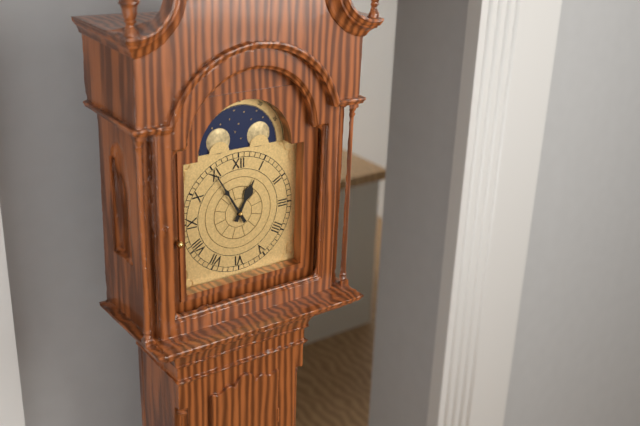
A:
h=12 m=55
